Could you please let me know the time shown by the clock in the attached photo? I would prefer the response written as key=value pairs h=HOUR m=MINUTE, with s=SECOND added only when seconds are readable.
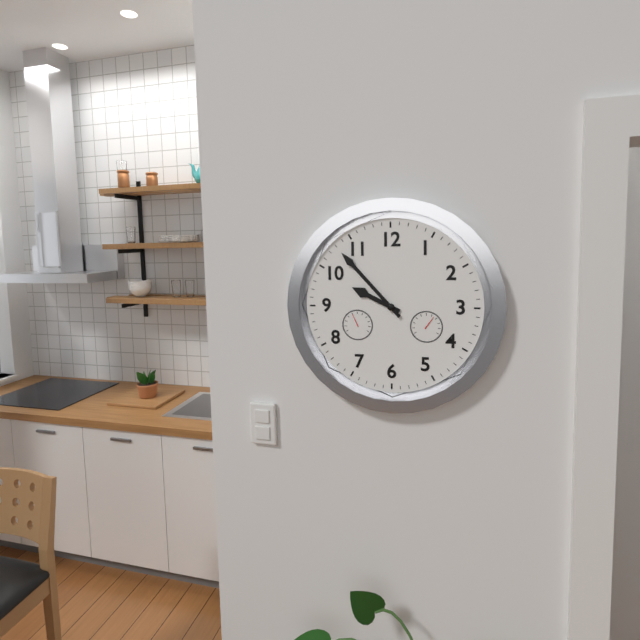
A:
h=9 m=53
